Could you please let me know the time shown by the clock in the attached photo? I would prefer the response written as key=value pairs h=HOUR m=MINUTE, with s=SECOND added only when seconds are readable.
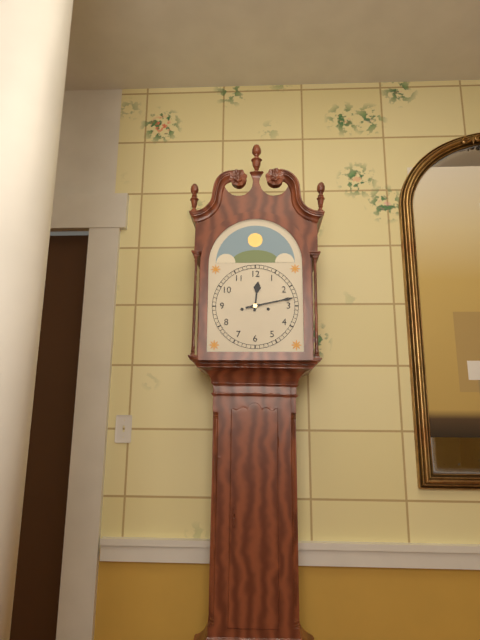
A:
h=12 m=13
